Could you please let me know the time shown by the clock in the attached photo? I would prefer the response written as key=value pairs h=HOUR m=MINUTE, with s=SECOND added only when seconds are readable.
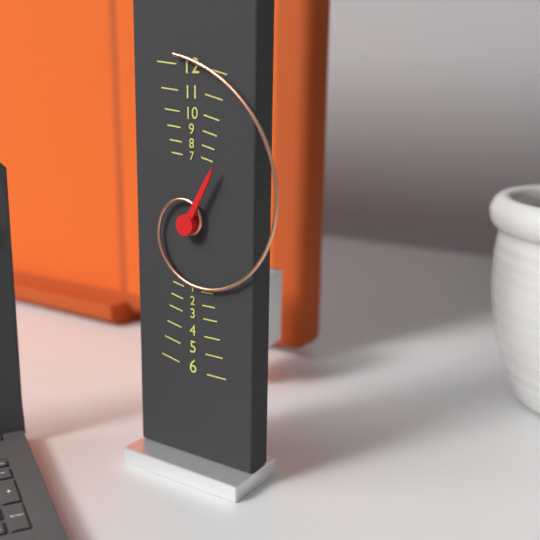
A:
h=12 m=59
